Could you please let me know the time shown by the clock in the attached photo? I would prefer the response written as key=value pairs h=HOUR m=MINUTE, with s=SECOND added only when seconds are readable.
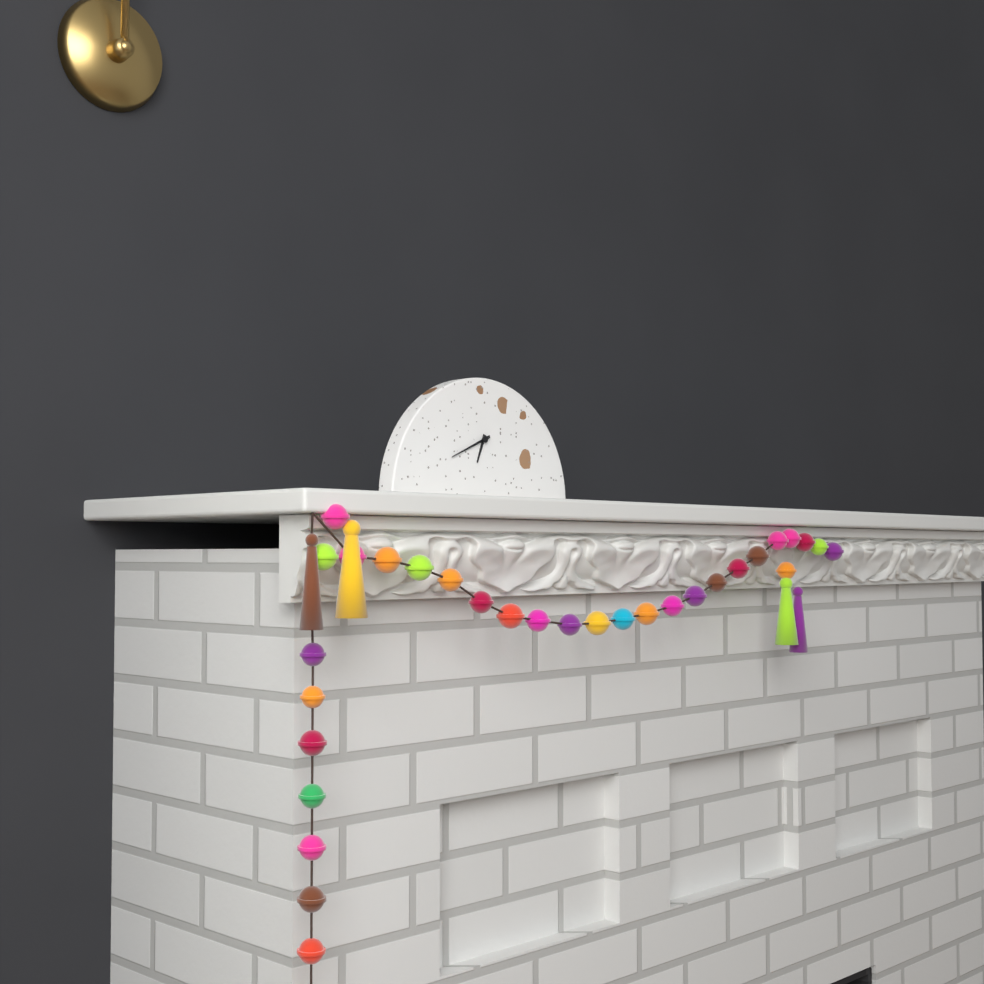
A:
h=6 m=41
